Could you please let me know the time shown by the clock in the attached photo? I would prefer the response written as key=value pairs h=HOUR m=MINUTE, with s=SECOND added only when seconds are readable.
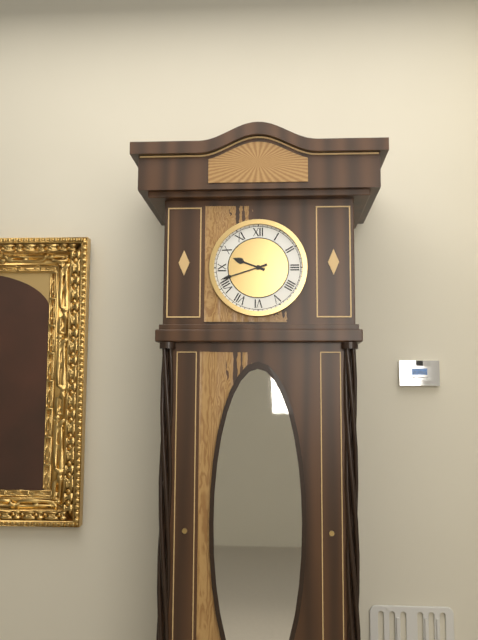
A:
h=9 m=42
